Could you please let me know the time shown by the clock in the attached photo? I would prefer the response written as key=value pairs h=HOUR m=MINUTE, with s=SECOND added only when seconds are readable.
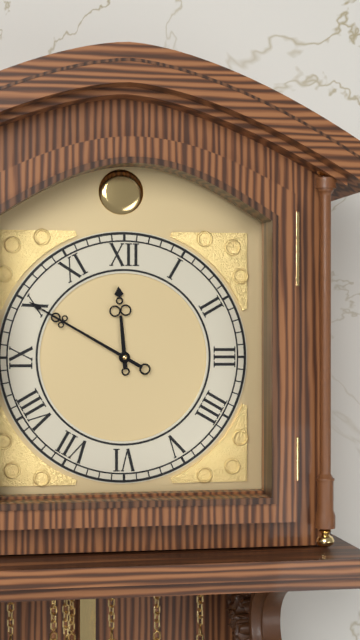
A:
h=11 m=50
